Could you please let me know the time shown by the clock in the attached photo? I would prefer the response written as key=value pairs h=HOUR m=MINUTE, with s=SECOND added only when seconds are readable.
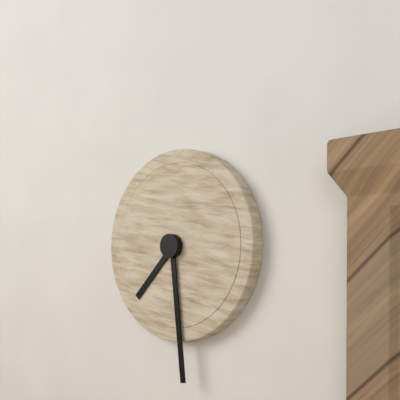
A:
h=7 m=29
